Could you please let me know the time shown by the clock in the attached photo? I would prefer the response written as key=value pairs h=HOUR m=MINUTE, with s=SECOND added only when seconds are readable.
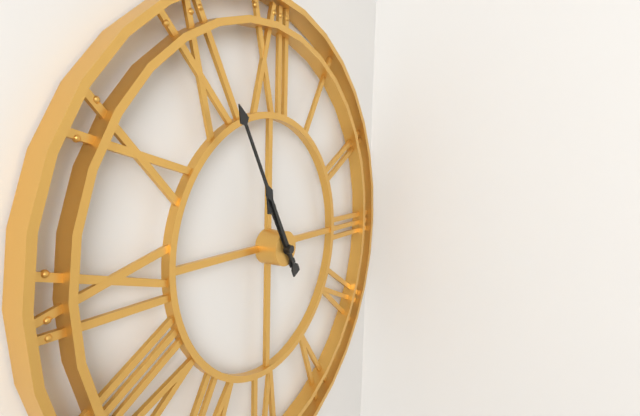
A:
h=10 m=55
